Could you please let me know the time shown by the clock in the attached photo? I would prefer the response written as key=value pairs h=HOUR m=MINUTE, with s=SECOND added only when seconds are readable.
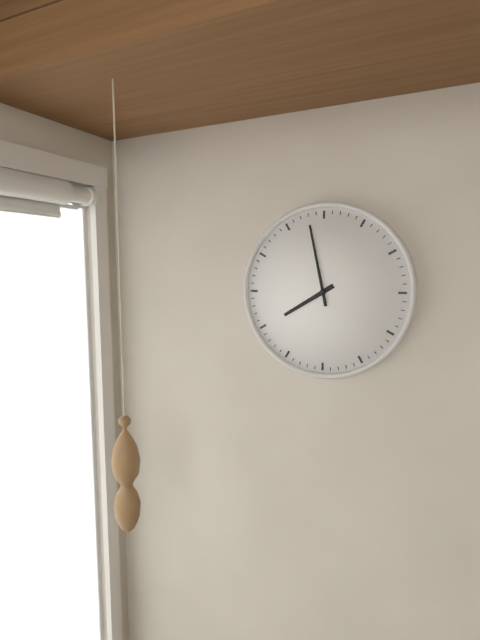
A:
h=7 m=58
